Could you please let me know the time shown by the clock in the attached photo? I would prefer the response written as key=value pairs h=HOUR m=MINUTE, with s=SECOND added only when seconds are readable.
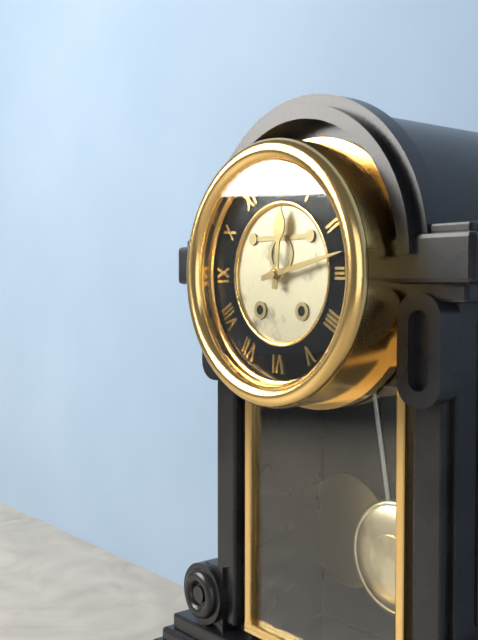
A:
h=12 m=13
